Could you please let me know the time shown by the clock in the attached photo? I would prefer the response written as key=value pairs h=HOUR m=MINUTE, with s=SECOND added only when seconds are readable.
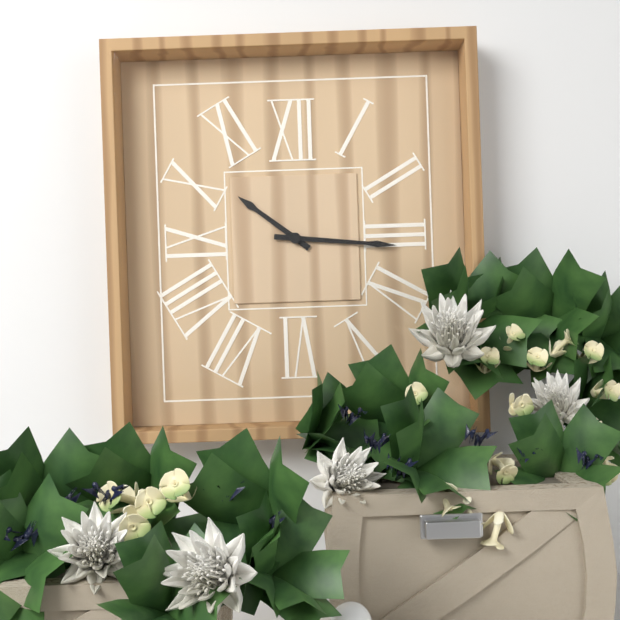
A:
h=10 m=16
